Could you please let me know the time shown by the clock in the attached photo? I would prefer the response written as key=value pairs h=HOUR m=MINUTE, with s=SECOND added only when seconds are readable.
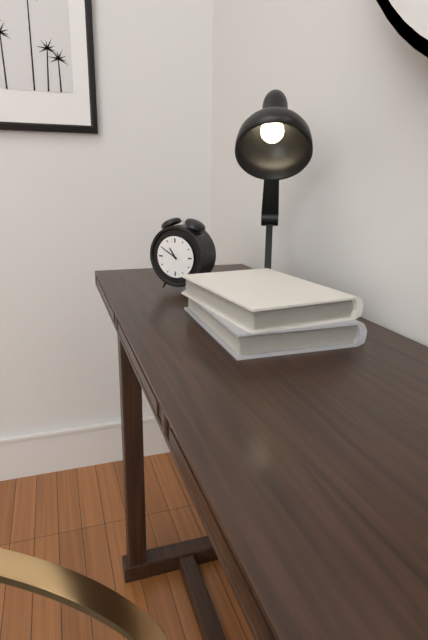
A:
h=10 m=50
